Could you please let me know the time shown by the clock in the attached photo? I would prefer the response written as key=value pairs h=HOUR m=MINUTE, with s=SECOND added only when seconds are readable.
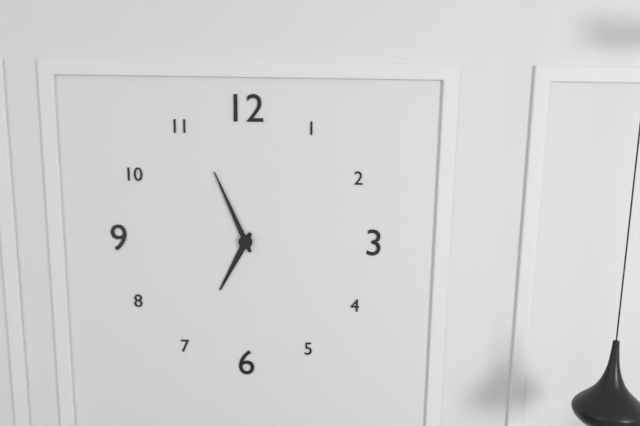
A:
h=6 m=56
